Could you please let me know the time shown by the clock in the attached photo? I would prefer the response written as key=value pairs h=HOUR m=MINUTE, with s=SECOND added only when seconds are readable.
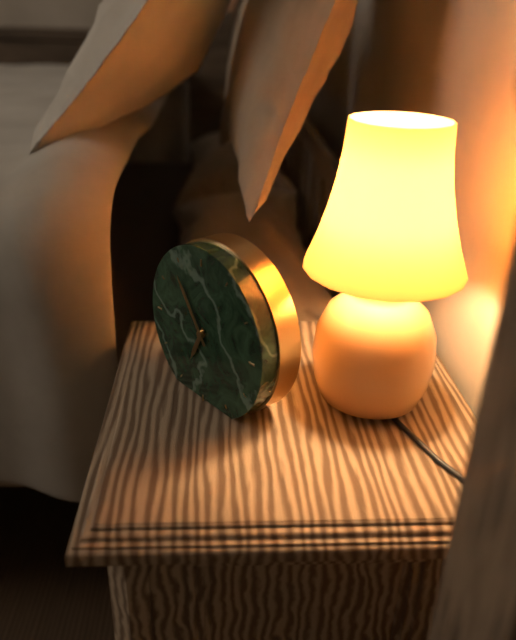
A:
h=6 m=54
